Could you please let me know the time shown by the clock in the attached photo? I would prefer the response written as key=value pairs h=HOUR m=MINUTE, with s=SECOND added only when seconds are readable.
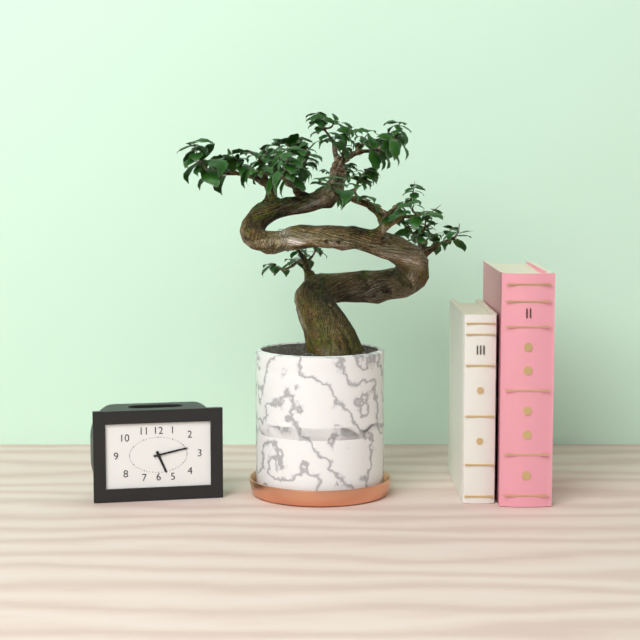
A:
h=5 m=13
